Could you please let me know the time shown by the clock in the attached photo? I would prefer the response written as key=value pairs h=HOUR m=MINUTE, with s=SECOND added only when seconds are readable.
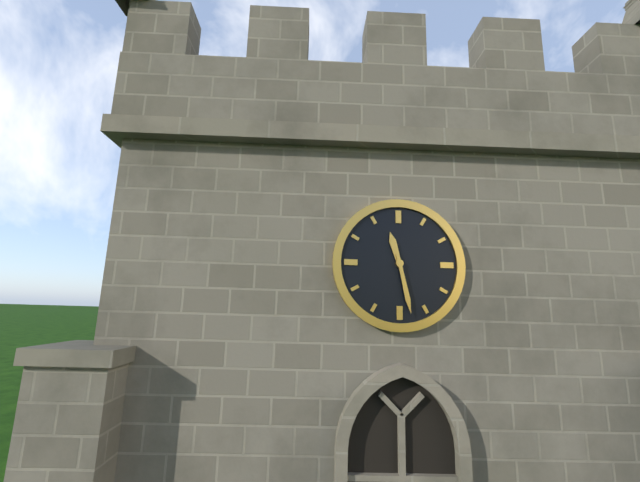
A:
h=11 m=28
